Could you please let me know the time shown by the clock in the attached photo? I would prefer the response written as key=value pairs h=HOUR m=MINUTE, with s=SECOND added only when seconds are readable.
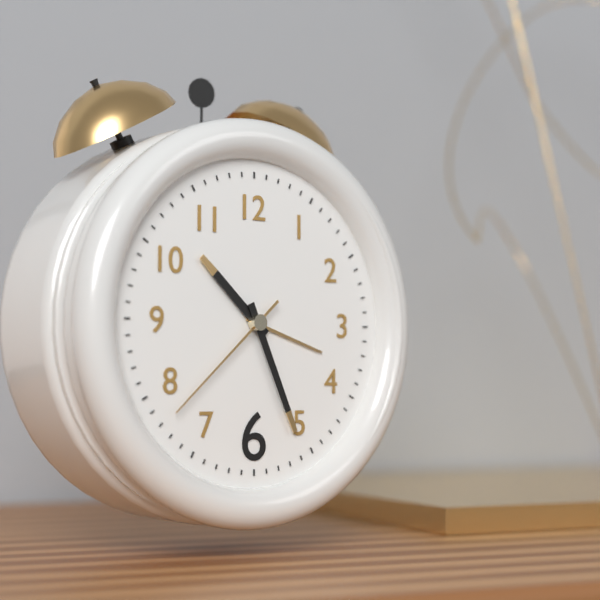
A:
h=10 m=26 s=38
